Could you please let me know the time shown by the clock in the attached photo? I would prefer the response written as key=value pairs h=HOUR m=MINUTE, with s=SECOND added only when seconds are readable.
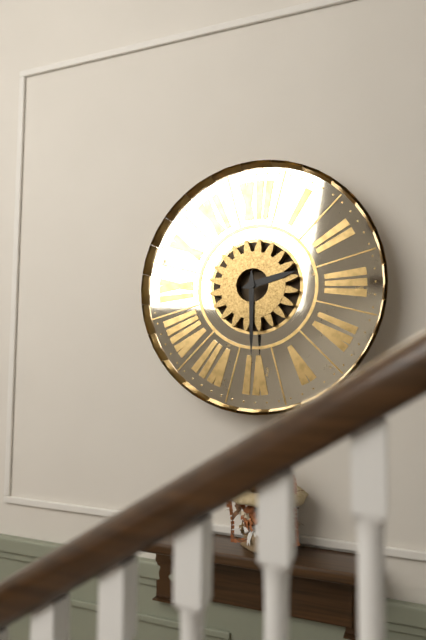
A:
h=2 m=30
